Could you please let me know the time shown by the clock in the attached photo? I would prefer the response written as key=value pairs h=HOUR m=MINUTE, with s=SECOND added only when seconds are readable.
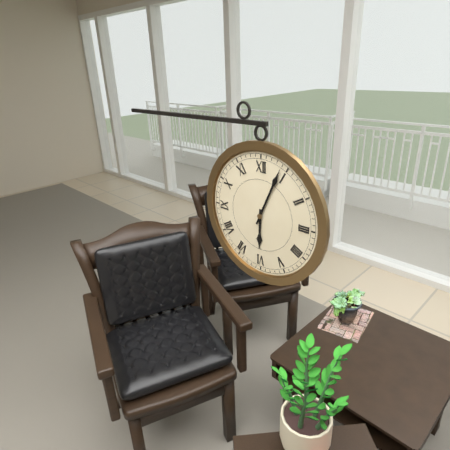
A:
h=6 m=4
